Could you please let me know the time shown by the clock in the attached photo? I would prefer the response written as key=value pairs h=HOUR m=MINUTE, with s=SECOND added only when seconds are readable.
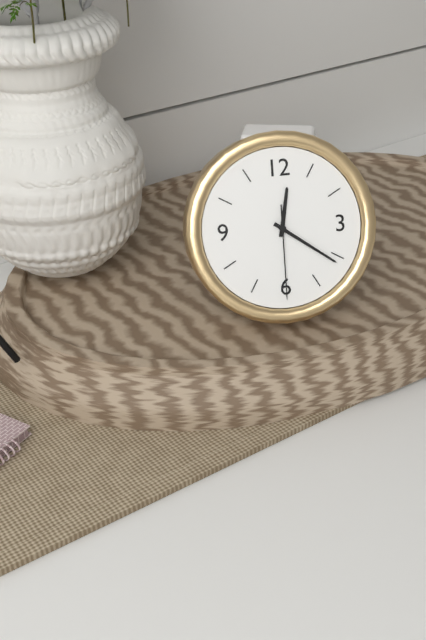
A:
h=12 m=21 s=30
